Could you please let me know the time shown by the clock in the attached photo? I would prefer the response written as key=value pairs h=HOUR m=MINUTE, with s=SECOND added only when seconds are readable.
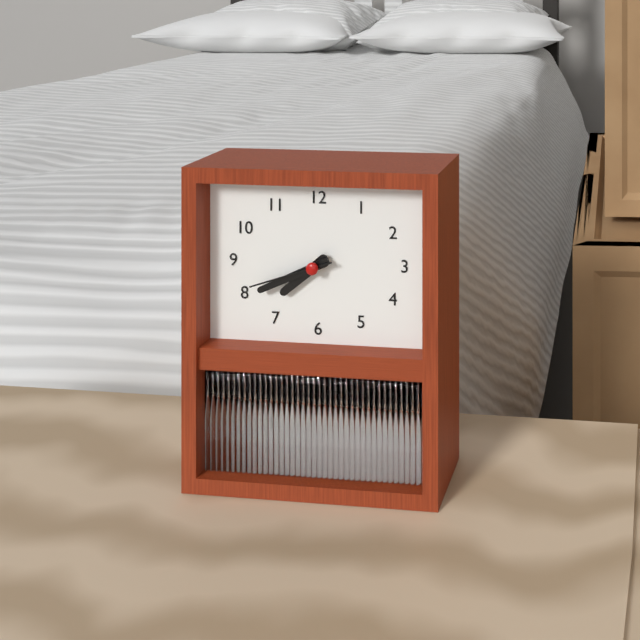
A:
h=7 m=41 s=42
